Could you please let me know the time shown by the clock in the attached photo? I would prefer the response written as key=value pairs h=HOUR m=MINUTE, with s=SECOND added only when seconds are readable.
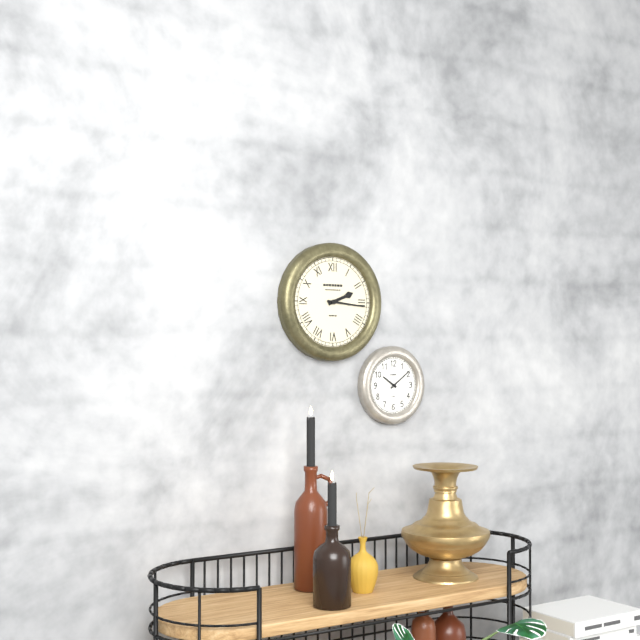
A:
h=2 m=16
